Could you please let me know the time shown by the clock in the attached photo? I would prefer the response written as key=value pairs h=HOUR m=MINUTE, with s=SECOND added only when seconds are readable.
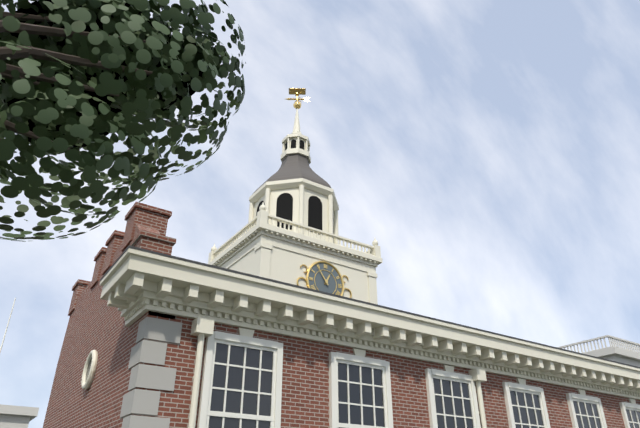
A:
h=12 m=54
